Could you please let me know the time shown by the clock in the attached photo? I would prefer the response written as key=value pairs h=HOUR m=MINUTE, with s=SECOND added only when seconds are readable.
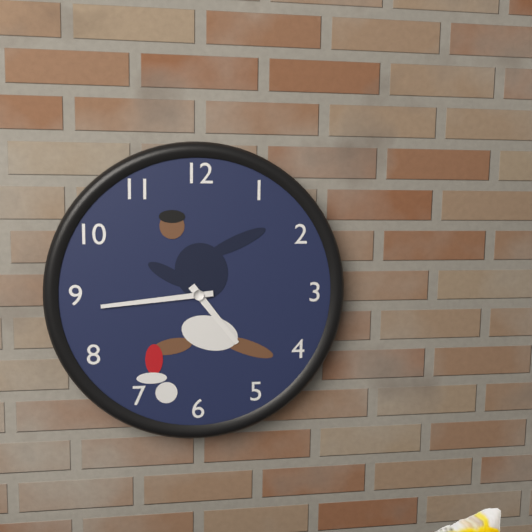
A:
h=4 m=44
